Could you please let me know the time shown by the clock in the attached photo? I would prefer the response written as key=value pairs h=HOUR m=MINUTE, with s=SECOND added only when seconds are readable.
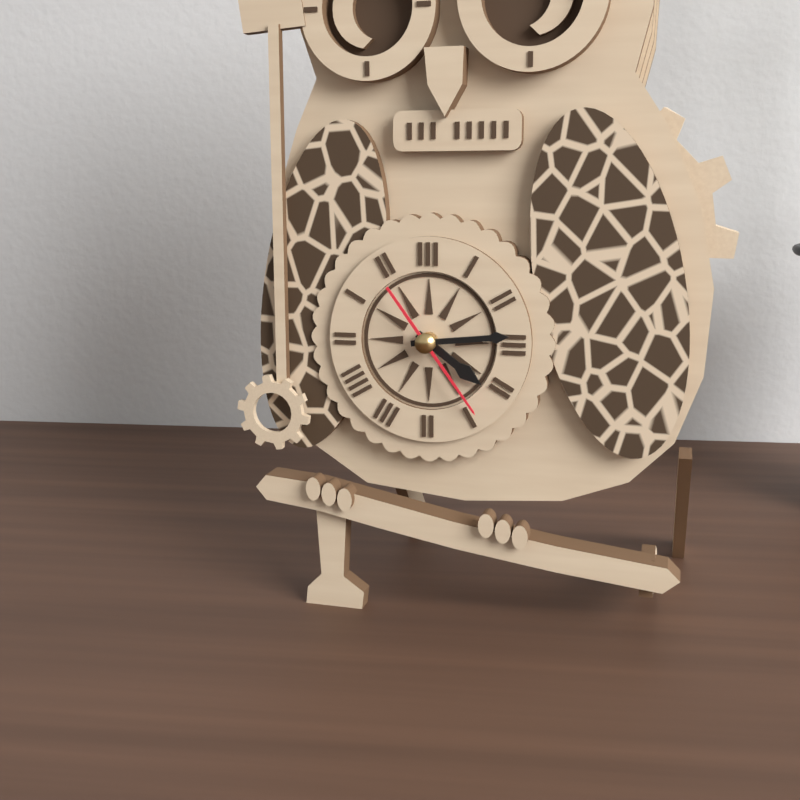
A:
h=4 m=14 s=24
